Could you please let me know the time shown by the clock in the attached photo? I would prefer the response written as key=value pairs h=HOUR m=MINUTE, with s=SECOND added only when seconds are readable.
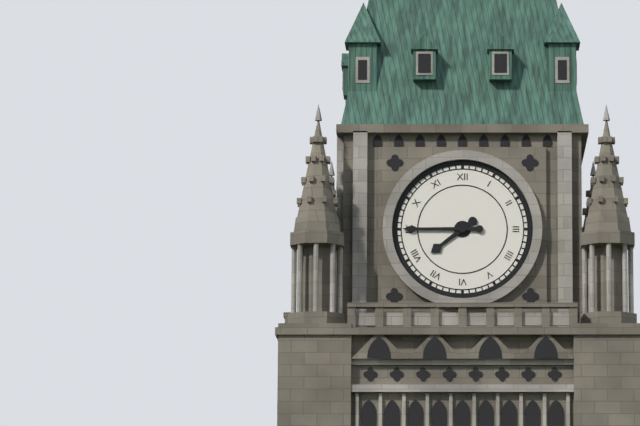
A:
h=7 m=45
